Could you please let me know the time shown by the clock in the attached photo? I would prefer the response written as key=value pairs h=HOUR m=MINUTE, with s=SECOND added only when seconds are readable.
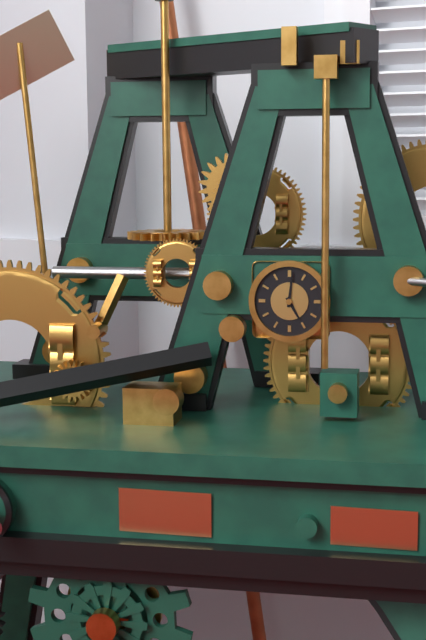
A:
h=5 m=1
